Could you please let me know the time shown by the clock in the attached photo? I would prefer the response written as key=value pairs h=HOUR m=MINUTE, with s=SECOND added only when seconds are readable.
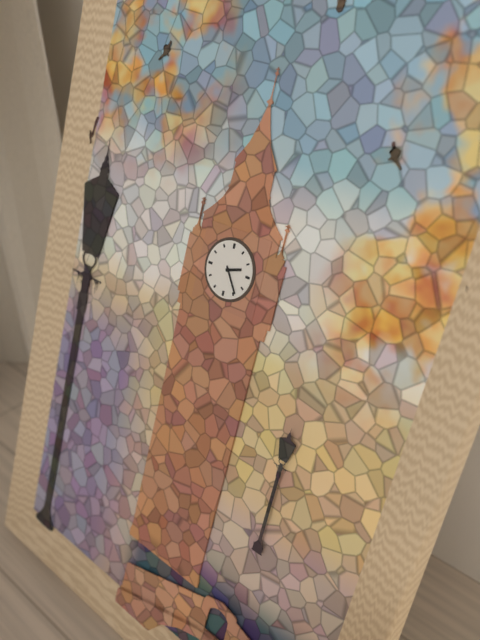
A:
h=2 m=24
